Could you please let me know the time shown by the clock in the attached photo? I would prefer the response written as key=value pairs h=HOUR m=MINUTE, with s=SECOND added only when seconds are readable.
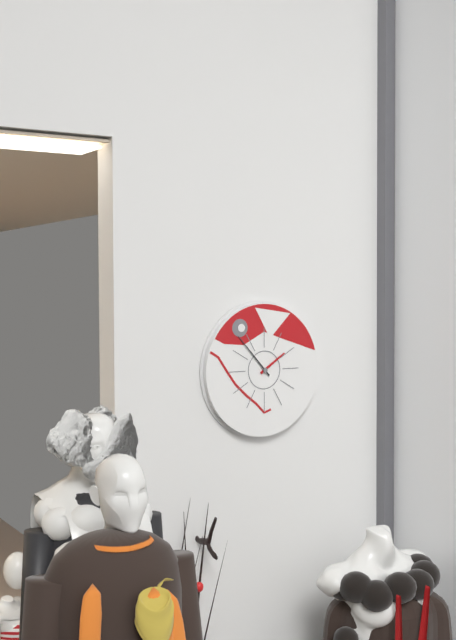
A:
h=1 m=53
